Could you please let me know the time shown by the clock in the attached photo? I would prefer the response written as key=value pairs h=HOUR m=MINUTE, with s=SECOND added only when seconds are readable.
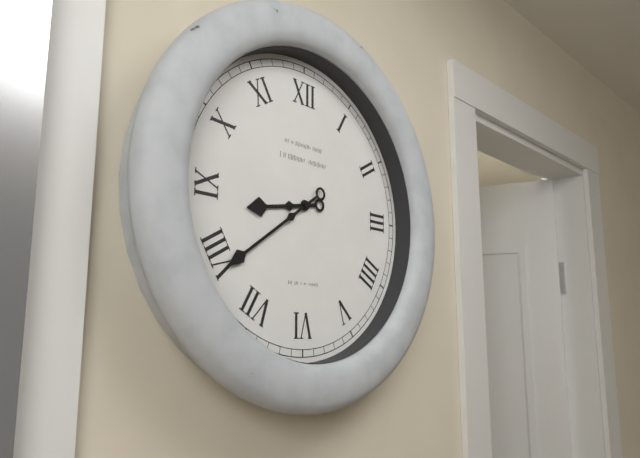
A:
h=8 m=39
